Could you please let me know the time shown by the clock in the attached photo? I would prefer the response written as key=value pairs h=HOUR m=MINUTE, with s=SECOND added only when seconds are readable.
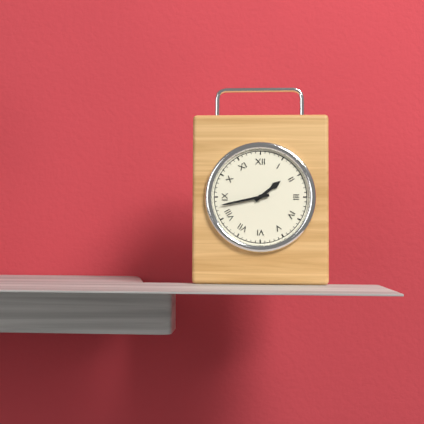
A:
h=1 m=43
